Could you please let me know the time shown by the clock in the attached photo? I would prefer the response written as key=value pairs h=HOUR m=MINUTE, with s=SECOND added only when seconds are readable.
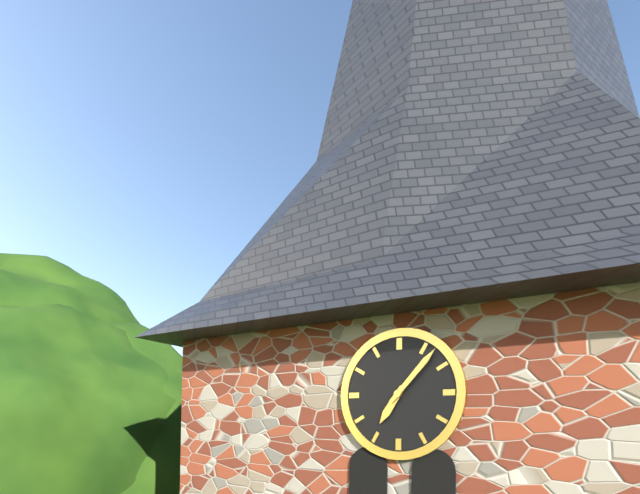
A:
h=7 m=7
